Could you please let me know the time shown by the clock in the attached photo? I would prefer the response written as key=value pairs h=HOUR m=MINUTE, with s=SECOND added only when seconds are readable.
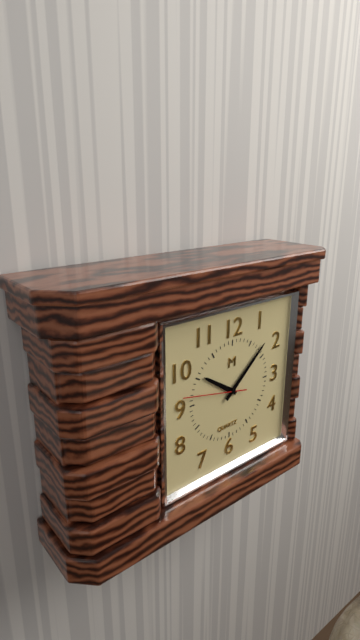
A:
h=10 m=8 s=47
